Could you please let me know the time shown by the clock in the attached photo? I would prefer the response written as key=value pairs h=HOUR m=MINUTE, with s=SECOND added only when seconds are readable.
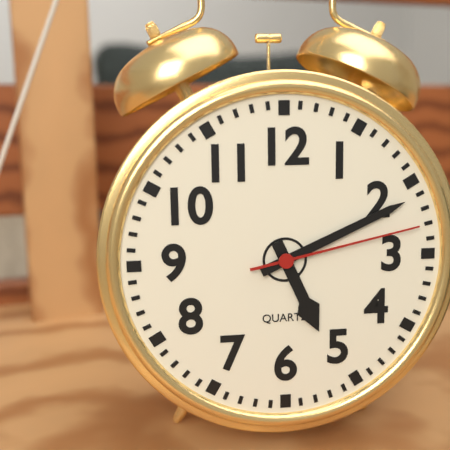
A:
h=5 m=11 s=13
